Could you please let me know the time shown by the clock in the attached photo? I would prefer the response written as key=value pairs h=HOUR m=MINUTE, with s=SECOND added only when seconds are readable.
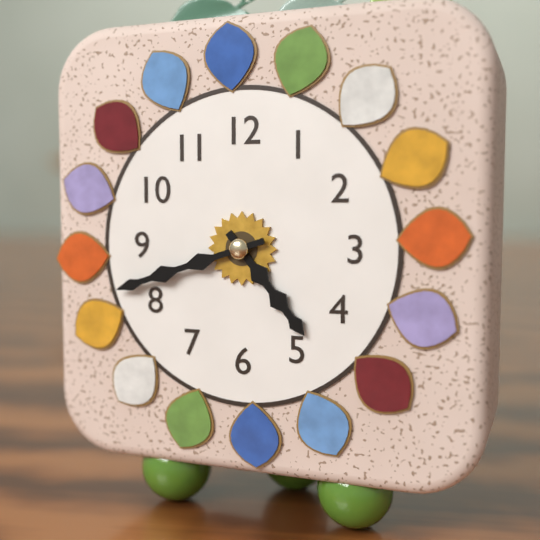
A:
h=4 m=42
